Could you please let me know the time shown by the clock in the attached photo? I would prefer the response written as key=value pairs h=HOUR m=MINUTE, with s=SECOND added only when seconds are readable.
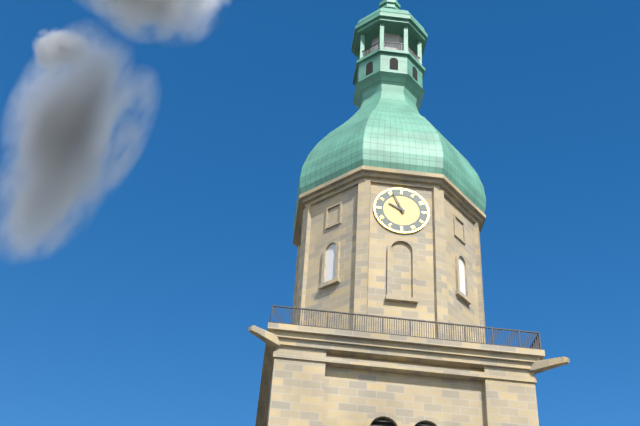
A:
h=9 m=56
